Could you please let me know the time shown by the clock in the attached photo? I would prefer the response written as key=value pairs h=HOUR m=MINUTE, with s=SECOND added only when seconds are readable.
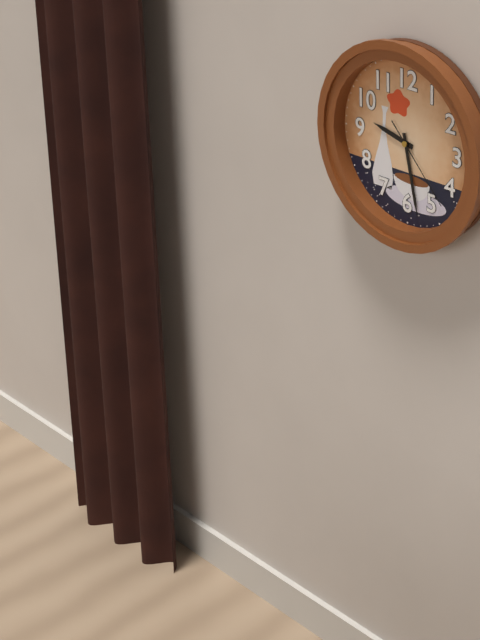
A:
h=9 m=28 s=23
